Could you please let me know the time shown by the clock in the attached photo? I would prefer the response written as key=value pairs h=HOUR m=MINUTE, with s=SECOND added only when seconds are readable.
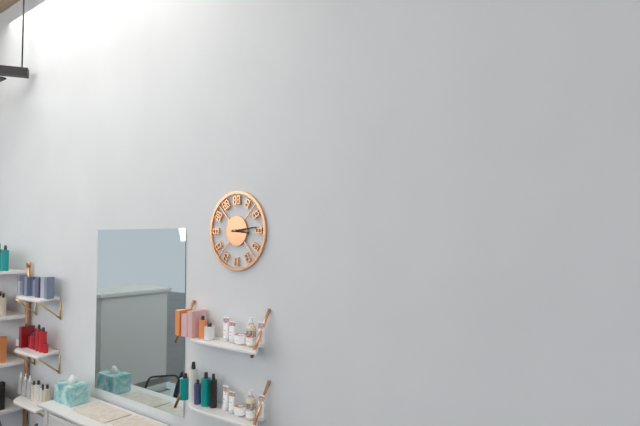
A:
h=3 m=14
